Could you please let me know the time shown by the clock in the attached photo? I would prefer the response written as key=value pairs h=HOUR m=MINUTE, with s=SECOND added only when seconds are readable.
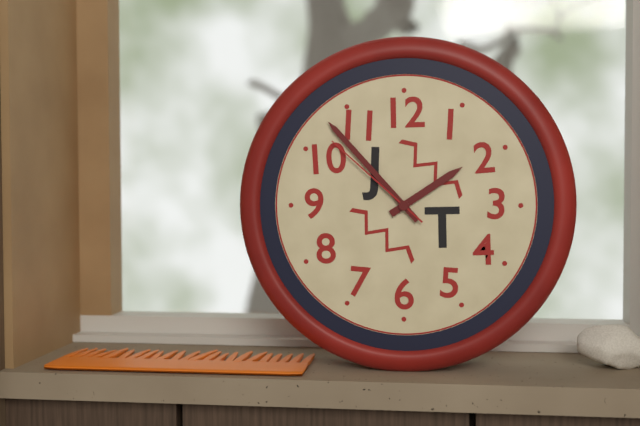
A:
h=1 m=53 s=52
